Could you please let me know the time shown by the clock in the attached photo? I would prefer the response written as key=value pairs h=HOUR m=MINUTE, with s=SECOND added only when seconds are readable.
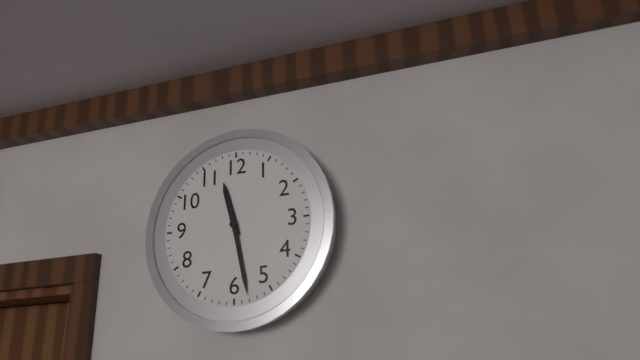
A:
h=11 m=28
